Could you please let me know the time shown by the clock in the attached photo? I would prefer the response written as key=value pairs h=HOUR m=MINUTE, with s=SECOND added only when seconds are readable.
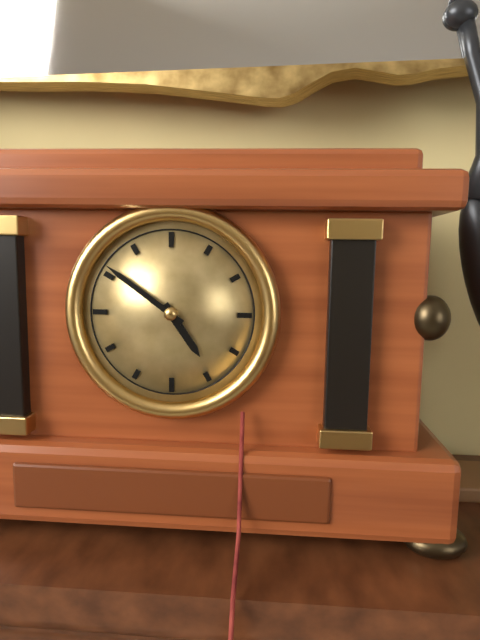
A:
h=4 m=51
